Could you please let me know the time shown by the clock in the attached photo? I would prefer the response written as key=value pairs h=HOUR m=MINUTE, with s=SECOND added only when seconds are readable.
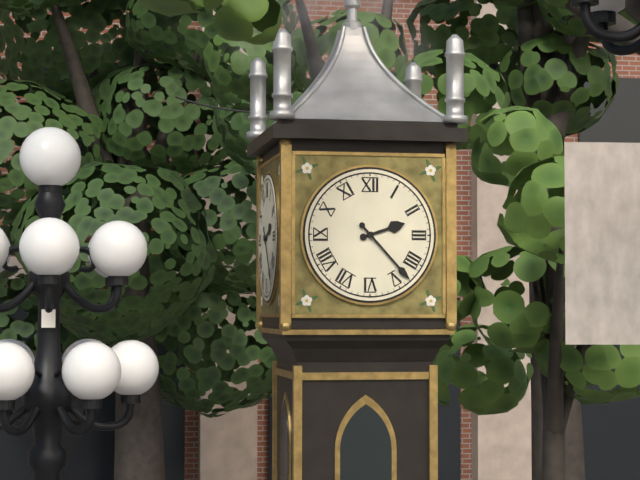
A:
h=2 m=23
